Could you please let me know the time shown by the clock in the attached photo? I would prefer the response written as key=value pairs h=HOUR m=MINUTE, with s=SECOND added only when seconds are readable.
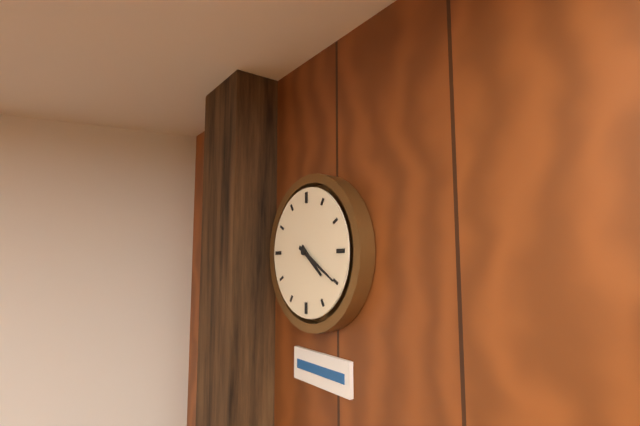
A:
h=4 m=20
